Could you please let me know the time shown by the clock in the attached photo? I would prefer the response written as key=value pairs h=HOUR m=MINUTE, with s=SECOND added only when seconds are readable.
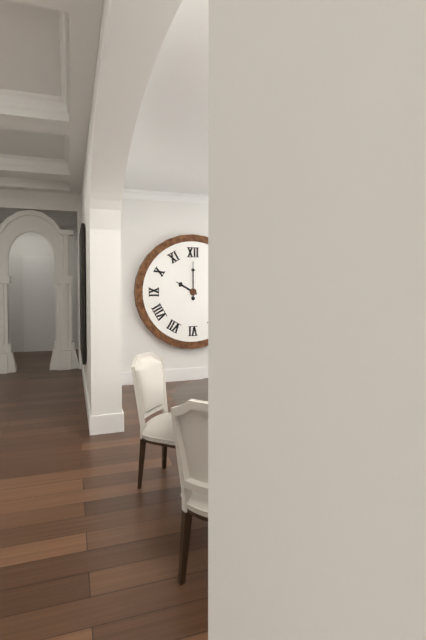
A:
h=10 m=0
